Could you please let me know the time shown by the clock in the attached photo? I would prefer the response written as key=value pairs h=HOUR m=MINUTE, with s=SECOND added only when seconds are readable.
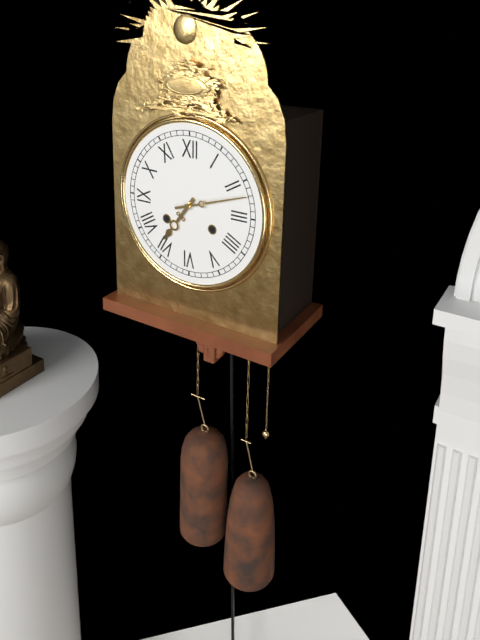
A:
h=7 m=12
